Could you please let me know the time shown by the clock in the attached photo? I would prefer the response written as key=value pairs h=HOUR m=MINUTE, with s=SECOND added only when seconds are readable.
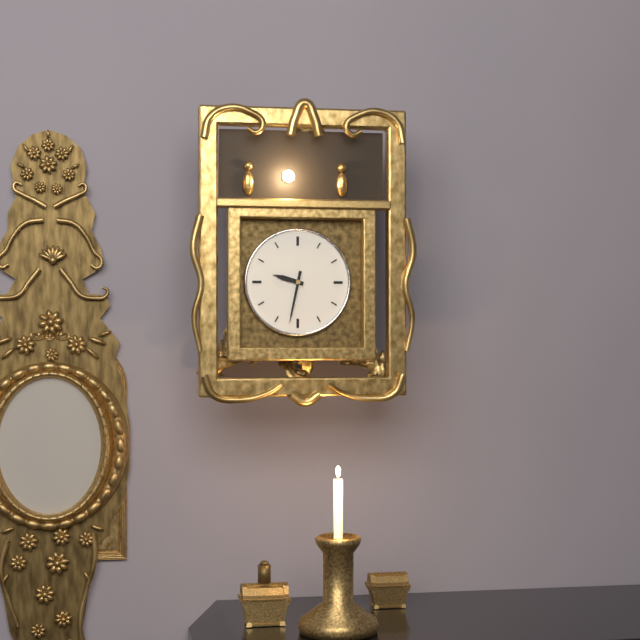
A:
h=9 m=32
